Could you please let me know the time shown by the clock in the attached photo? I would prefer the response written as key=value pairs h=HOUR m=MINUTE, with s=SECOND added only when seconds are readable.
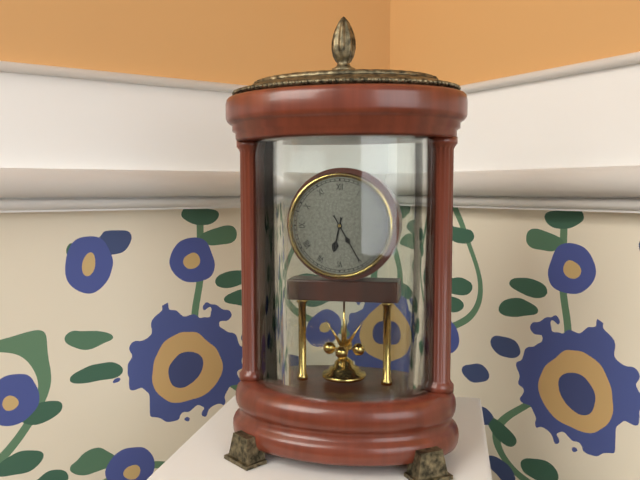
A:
h=6 m=25
